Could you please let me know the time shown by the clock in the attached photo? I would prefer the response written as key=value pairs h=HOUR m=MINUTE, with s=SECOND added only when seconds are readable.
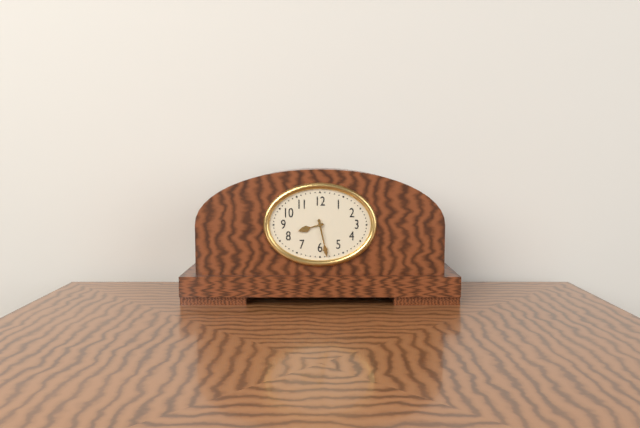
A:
h=8 m=28
